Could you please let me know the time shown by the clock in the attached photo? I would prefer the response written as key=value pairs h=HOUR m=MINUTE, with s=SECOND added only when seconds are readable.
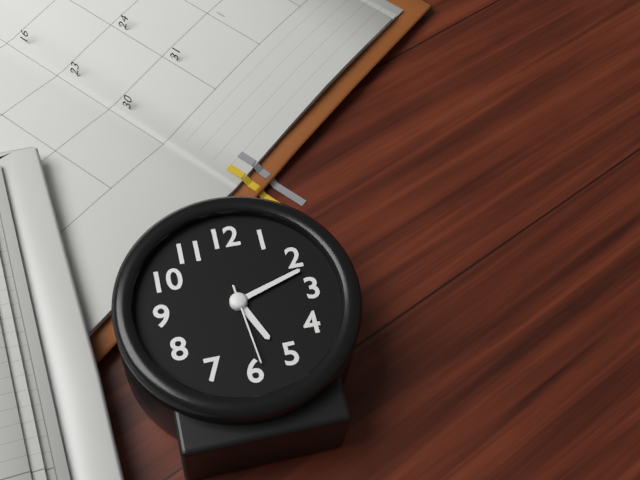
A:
h=5 m=12 s=29
